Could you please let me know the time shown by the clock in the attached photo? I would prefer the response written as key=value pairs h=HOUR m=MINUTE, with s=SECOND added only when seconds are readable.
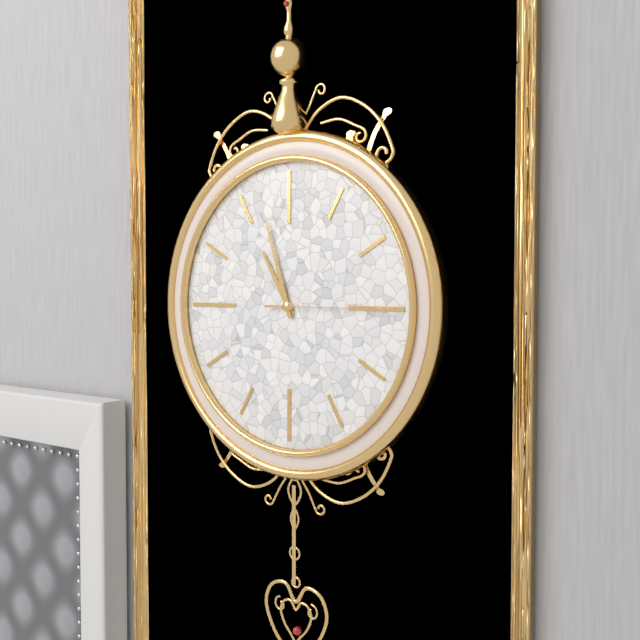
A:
h=10 m=57 s=15
